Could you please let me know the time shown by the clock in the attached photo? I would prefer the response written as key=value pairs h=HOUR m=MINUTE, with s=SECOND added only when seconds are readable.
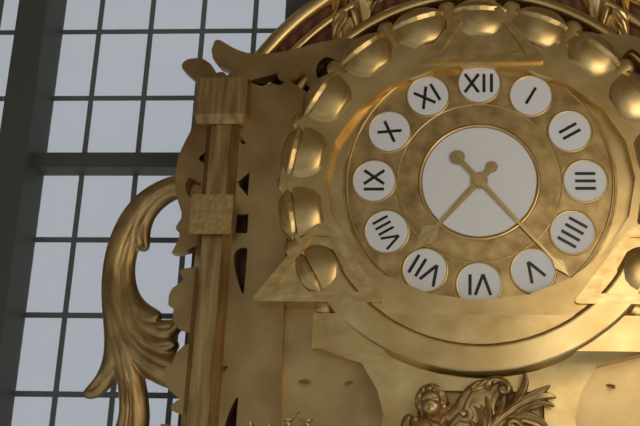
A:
h=7 m=23
